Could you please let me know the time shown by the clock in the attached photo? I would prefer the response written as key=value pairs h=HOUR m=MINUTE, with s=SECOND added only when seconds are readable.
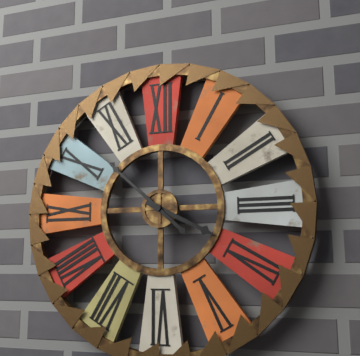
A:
h=3 m=52
